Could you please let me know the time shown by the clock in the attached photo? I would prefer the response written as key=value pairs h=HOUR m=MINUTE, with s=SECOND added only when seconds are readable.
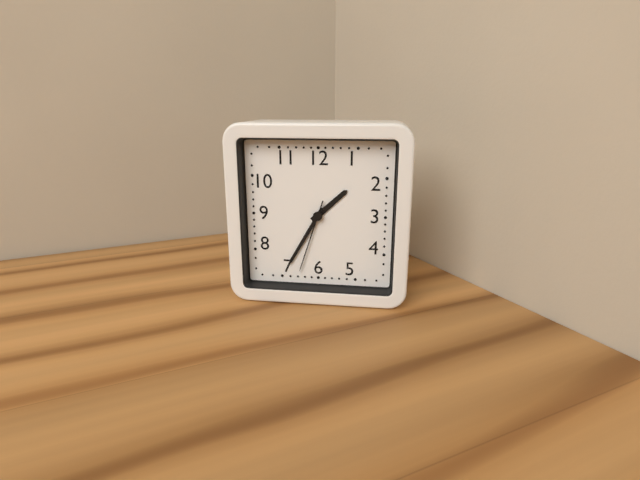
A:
h=1 m=35 s=33
